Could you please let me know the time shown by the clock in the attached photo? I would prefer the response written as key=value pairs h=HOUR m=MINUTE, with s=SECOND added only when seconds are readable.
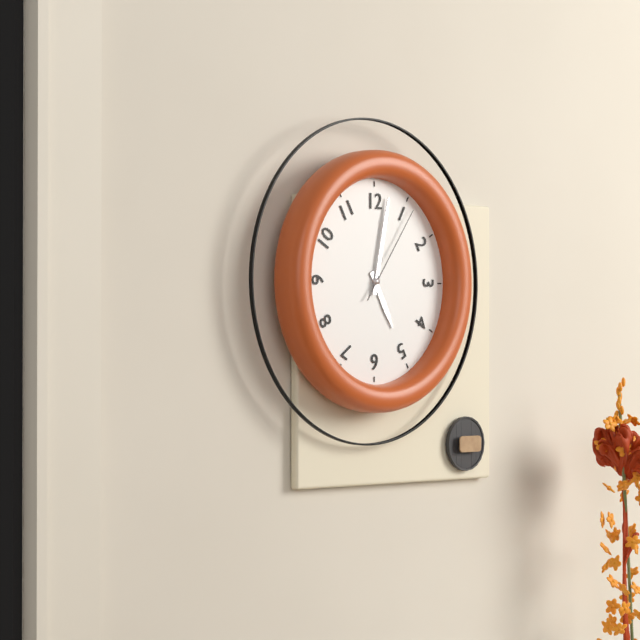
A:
h=5 m=2 s=6
